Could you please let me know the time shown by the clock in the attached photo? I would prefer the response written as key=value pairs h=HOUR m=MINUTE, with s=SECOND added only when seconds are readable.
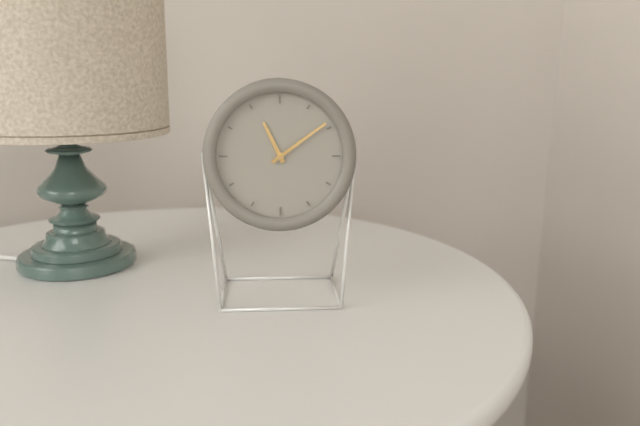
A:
h=11 m=9
